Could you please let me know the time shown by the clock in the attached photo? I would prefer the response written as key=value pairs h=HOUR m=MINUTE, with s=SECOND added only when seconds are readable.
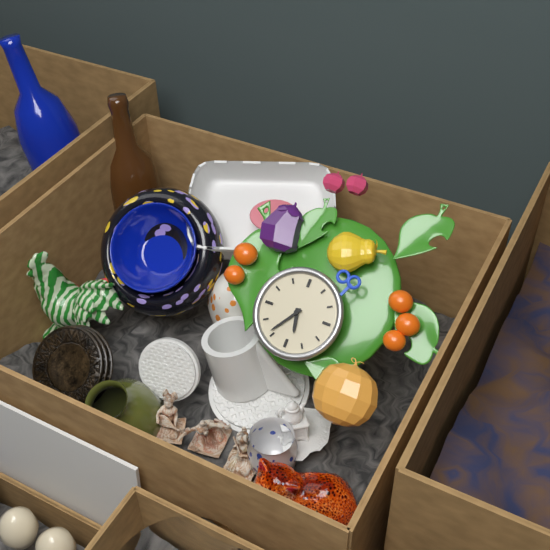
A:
h=5 m=36
